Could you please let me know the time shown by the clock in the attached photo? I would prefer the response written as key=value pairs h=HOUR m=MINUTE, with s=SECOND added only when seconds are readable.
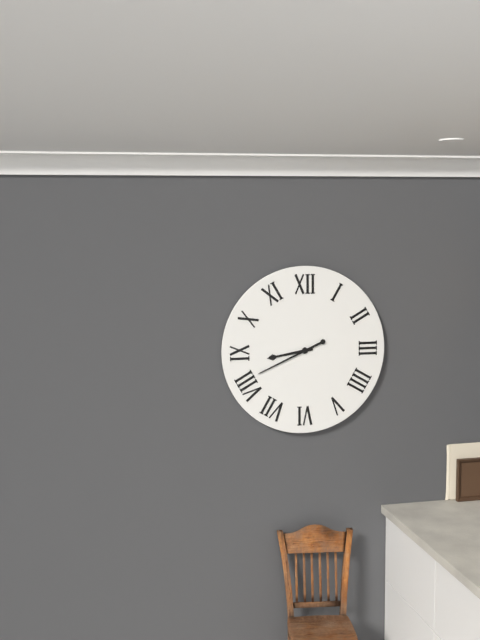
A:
h=8 m=41
